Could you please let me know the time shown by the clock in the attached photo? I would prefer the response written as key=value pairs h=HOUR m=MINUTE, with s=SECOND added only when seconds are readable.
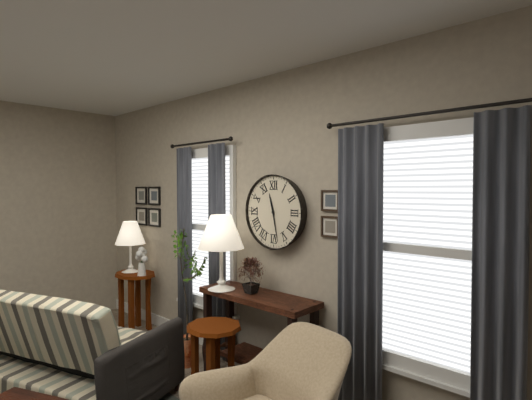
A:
h=11 m=28
